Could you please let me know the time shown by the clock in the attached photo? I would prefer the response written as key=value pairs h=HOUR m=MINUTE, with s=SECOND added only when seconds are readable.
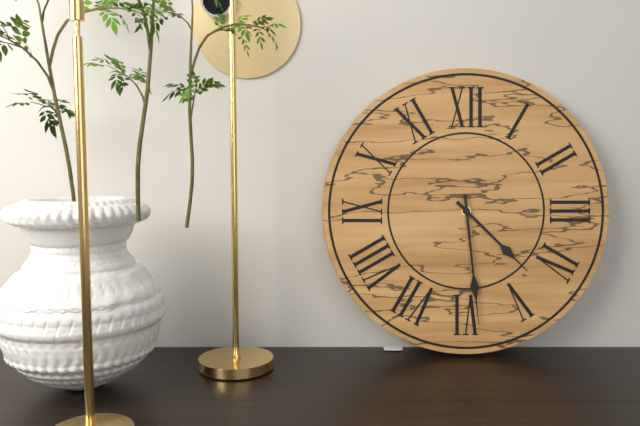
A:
h=4 m=29
